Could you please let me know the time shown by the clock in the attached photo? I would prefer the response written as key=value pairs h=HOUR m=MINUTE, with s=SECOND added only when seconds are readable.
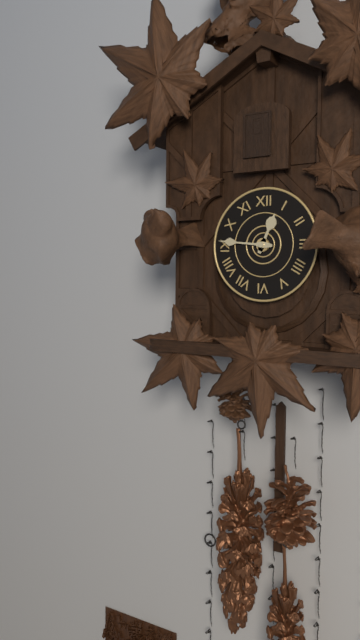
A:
h=12 m=46
